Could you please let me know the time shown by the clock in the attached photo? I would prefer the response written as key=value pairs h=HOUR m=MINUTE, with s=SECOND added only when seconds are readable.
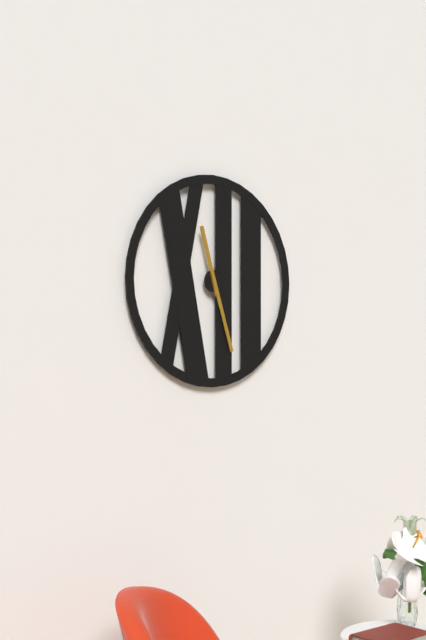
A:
h=11 m=27
